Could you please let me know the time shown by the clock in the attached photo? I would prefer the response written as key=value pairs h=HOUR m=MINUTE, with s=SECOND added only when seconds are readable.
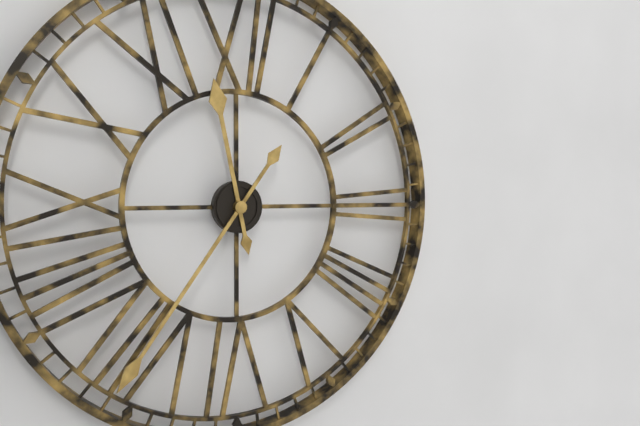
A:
h=11 m=36
